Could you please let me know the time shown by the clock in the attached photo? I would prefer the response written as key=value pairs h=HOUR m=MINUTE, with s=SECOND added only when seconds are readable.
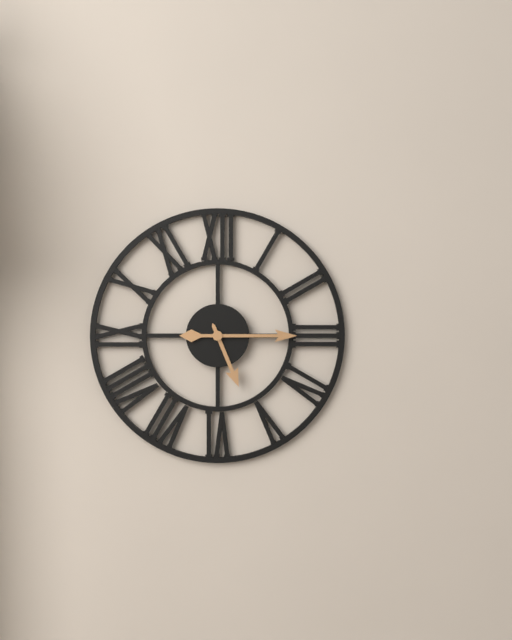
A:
h=5 m=15
